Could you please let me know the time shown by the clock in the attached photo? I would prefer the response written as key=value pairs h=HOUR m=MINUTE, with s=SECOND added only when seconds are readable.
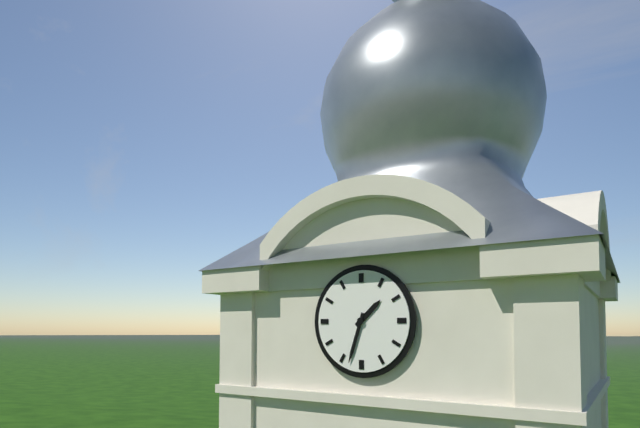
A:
h=1 m=33
